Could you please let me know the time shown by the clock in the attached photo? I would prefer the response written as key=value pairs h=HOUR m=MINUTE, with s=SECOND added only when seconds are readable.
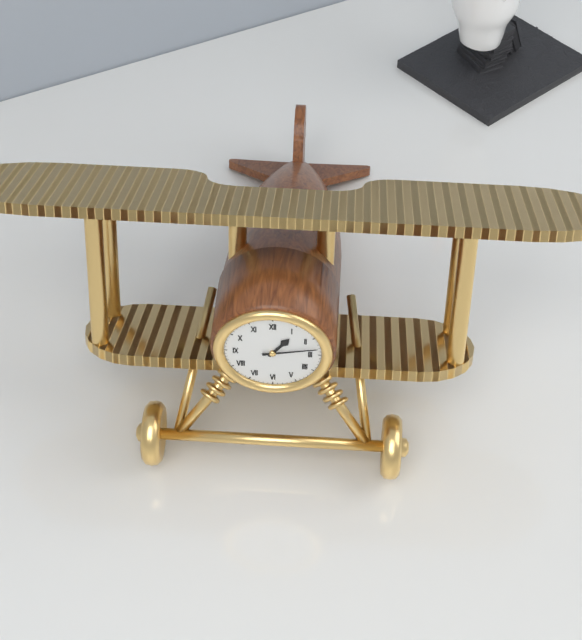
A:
h=1 m=13
